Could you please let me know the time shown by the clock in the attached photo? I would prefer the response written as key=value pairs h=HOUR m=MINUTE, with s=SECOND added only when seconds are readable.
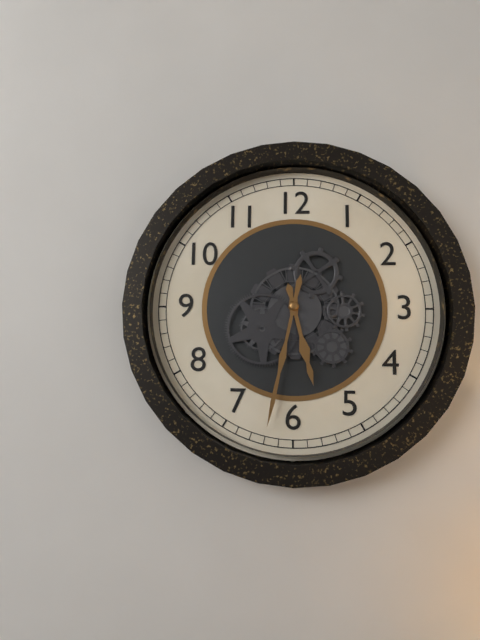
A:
h=5 m=32
